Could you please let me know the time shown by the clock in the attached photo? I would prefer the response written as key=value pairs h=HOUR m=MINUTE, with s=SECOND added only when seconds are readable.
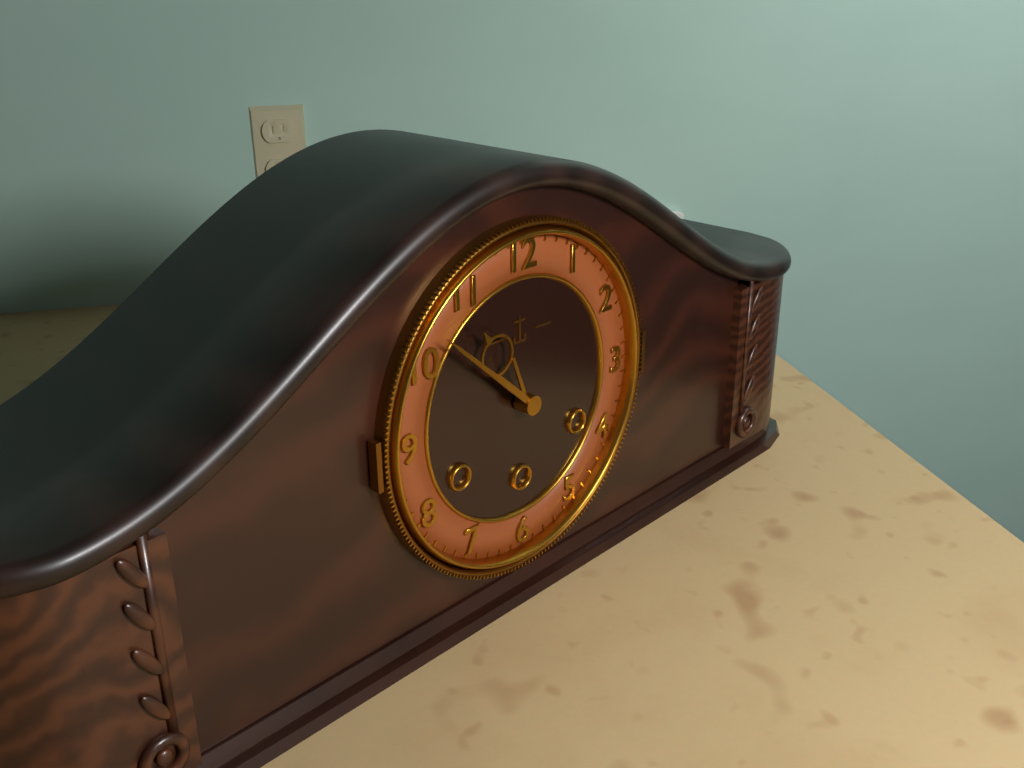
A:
h=10 m=52
